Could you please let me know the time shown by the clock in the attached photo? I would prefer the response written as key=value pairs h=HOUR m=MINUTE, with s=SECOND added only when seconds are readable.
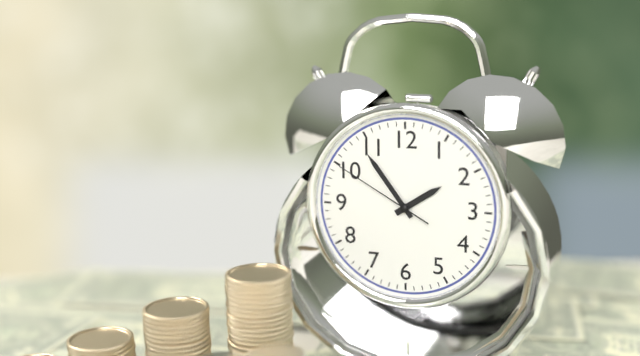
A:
h=1 m=54 s=50
